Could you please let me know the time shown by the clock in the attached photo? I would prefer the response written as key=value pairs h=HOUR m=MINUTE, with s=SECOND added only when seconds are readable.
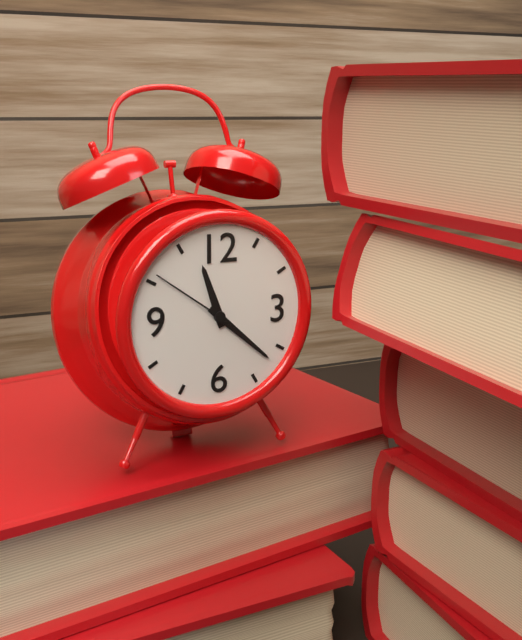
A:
h=11 m=22 s=51
